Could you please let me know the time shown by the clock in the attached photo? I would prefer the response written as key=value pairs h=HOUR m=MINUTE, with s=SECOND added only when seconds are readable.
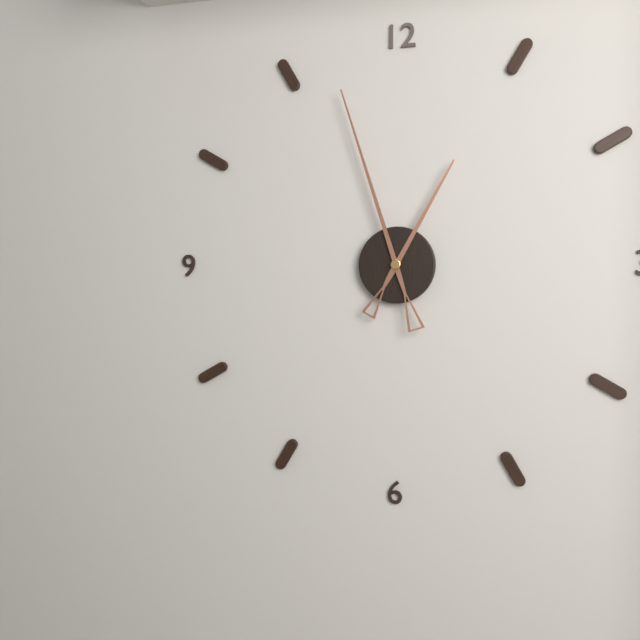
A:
h=12 m=57
